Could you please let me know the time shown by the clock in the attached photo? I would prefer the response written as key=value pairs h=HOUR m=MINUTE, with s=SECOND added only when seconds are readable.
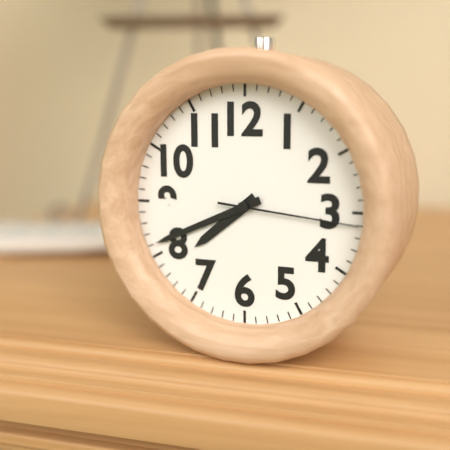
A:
h=7 m=41 s=16
